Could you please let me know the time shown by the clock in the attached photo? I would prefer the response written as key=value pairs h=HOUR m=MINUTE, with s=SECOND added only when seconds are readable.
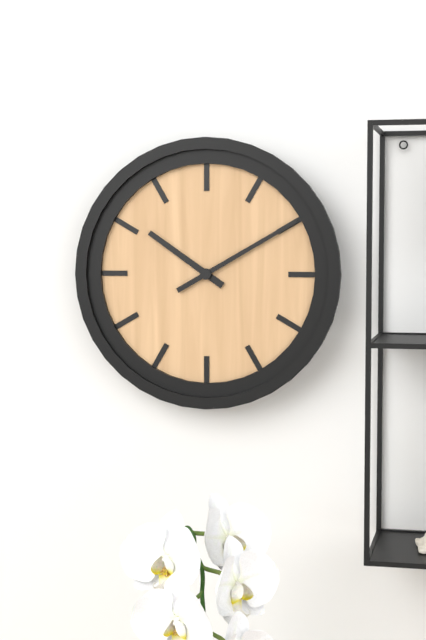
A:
h=10 m=10
